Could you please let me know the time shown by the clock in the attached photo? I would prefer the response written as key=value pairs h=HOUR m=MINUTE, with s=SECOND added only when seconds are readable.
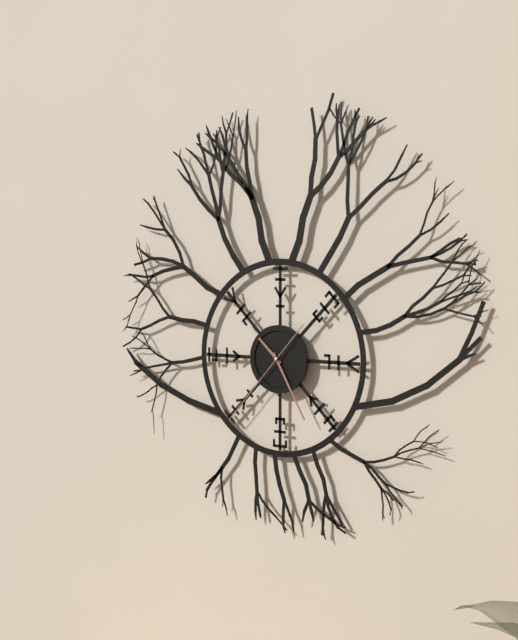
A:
h=10 m=25 s=37
